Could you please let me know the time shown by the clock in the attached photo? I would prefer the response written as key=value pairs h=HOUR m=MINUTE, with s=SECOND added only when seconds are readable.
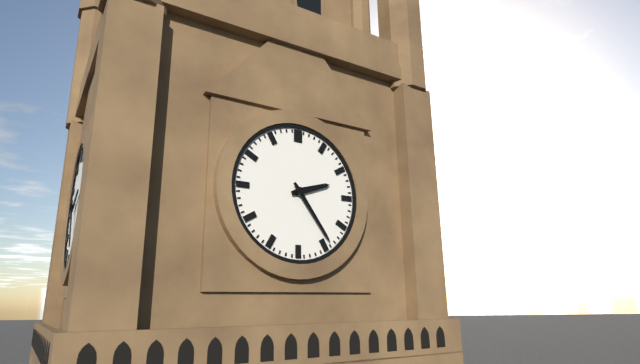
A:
h=2 m=24
